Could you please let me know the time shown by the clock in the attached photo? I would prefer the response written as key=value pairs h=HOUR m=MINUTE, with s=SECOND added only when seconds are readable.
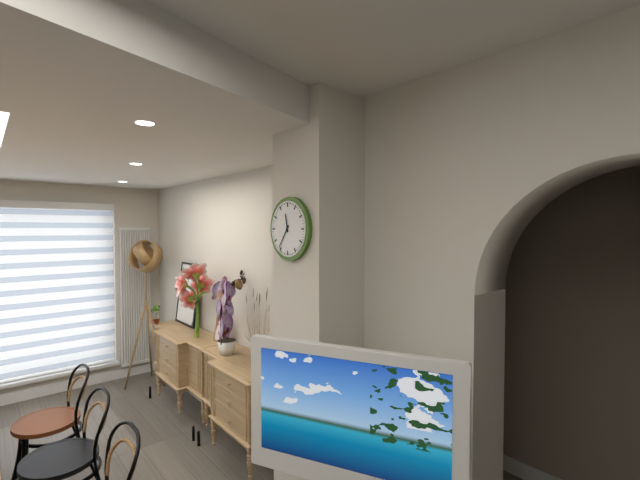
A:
h=11 m=36
